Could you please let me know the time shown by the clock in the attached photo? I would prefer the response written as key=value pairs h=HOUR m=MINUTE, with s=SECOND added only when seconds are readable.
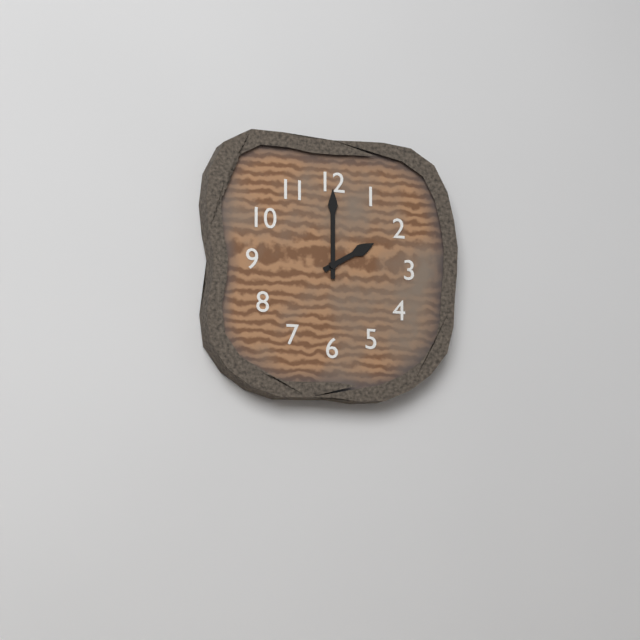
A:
h=2 m=0
